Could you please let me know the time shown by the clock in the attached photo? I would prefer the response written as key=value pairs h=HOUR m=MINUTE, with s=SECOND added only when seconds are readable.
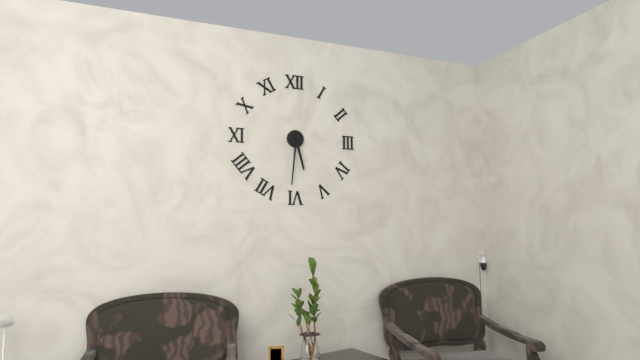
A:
h=5 m=31
